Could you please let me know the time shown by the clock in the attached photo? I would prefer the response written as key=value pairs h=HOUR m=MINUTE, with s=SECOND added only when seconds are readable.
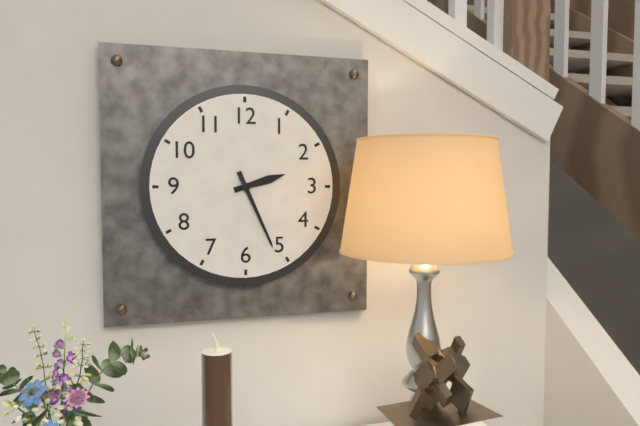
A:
h=2 m=26
